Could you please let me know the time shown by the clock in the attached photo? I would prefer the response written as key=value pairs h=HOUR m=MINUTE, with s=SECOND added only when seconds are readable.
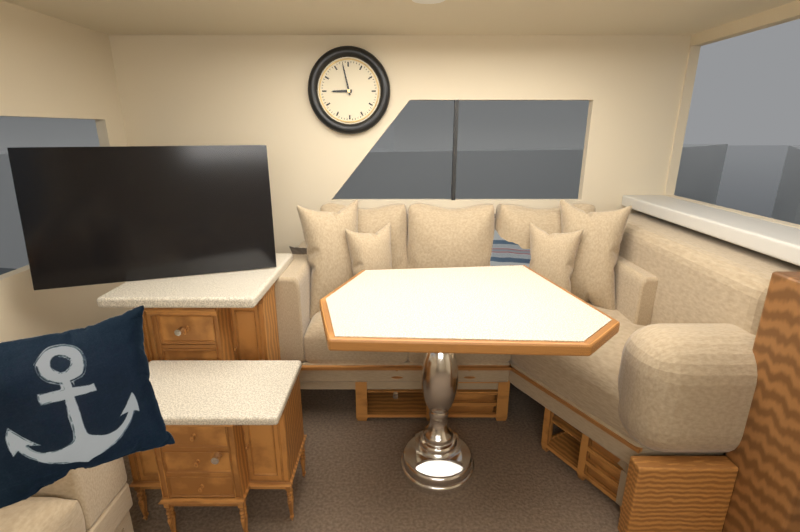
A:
h=8 m=58
